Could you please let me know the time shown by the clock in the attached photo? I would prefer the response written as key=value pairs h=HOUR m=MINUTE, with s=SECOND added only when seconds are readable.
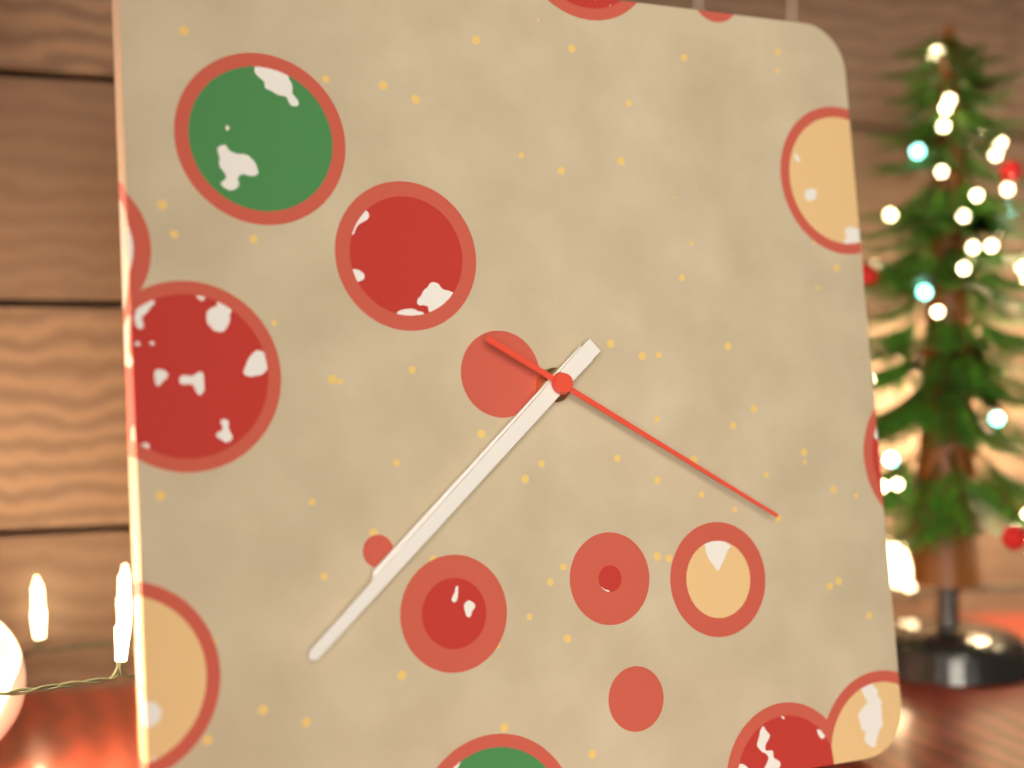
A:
h=7 m=38 s=20
